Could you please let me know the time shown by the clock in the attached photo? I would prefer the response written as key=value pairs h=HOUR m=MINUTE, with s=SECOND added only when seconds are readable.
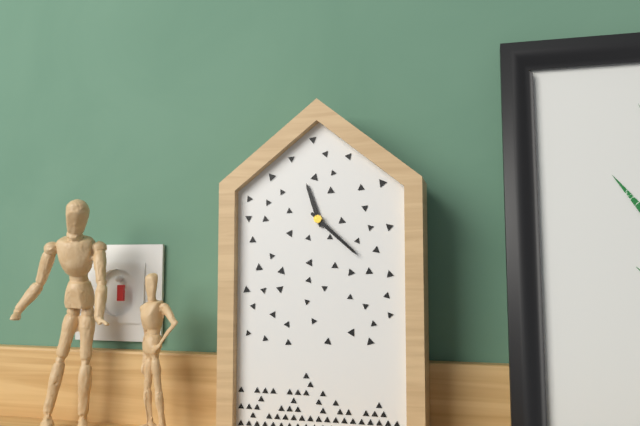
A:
h=11 m=22
